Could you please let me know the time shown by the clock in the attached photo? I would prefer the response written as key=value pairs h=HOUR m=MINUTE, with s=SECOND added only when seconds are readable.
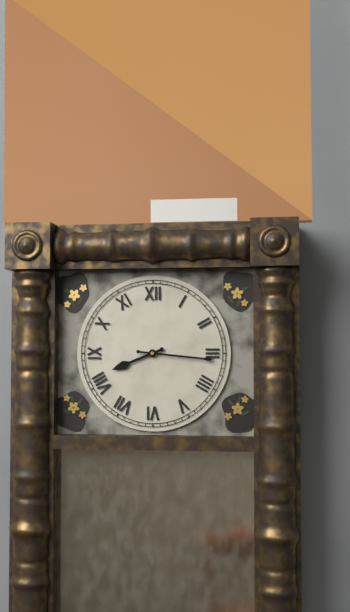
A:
h=8 m=16
